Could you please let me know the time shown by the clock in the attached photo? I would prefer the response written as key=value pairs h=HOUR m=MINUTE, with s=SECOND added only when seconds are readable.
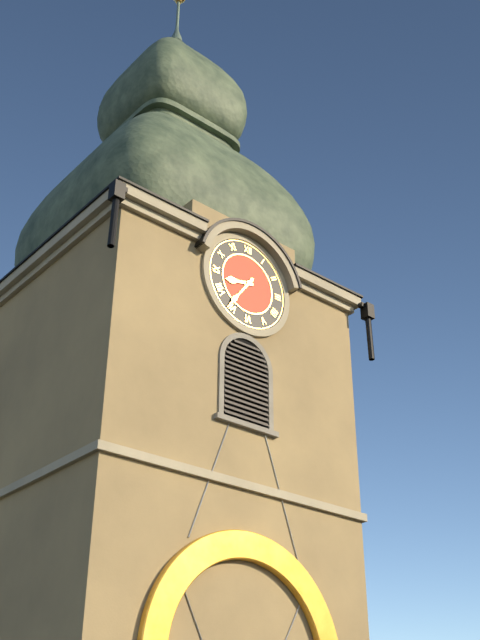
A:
h=8 m=36
